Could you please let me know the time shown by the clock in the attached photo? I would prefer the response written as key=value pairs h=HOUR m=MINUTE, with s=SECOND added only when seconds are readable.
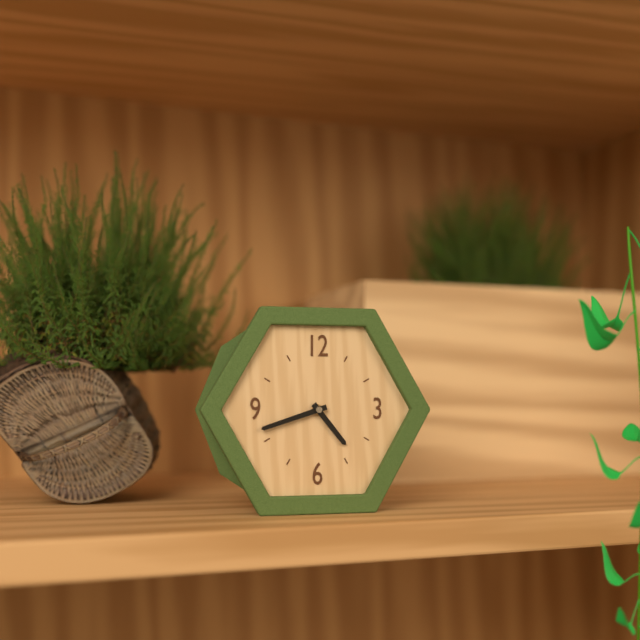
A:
h=4 m=42
